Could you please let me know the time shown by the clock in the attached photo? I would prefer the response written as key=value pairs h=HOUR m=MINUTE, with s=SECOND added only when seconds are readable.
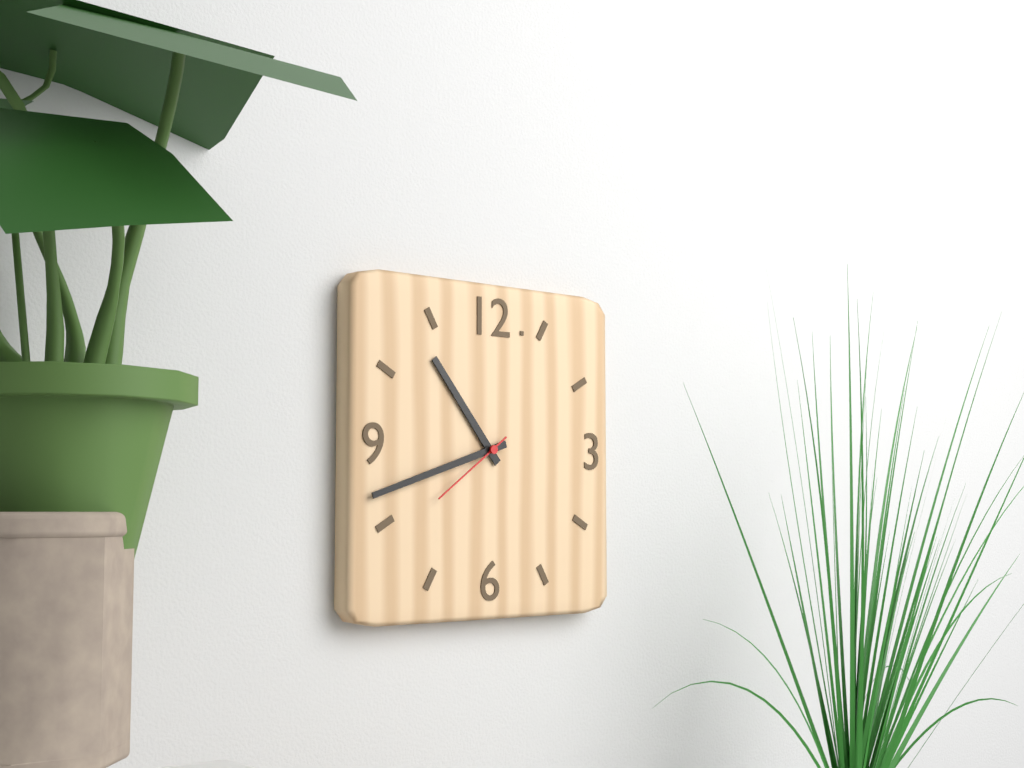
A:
h=10 m=42 s=39
